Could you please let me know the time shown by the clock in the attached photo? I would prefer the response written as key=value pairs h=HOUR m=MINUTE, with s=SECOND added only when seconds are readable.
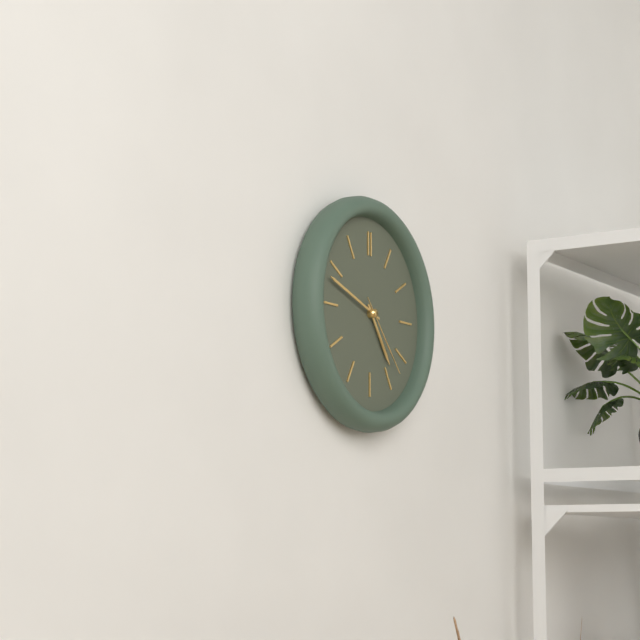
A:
h=4 m=48 s=23
